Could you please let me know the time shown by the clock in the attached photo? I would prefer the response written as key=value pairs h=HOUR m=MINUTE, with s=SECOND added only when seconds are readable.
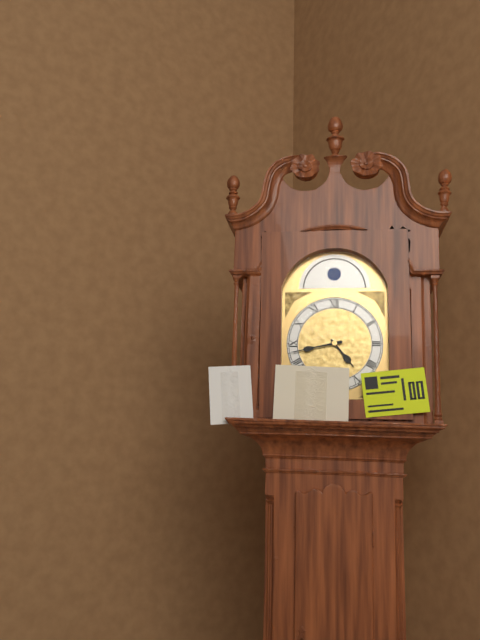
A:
h=4 m=43
